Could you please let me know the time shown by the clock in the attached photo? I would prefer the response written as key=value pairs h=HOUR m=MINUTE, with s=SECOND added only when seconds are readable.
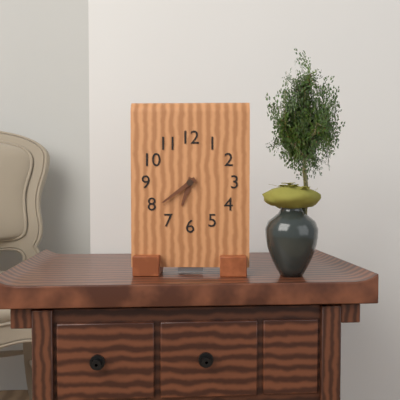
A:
h=6 m=39
